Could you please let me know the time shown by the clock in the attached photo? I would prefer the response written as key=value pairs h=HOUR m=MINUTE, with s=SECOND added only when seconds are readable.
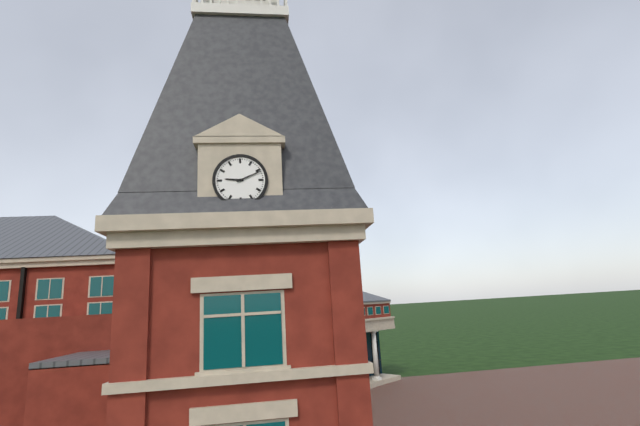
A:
h=9 m=11
